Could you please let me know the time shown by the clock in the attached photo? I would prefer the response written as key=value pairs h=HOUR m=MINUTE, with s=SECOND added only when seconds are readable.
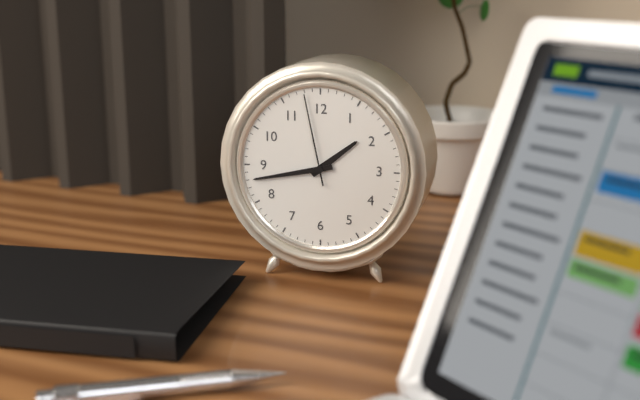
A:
h=1 m=43 s=58
